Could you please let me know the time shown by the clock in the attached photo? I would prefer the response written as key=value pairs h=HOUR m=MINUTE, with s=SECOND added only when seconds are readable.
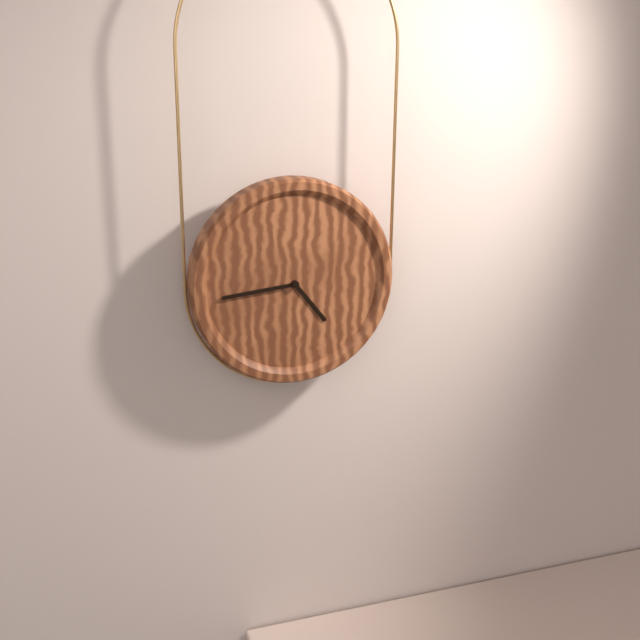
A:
h=4 m=44
